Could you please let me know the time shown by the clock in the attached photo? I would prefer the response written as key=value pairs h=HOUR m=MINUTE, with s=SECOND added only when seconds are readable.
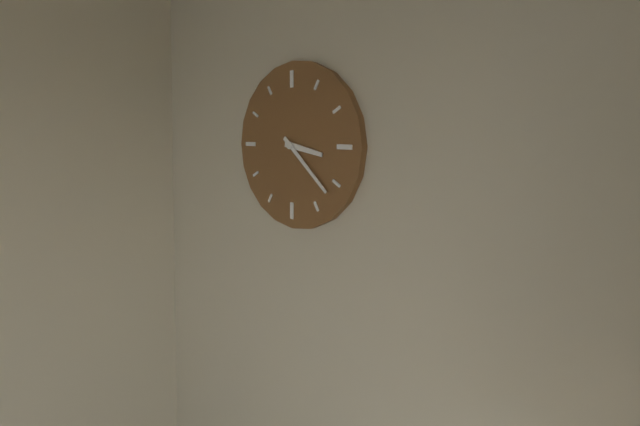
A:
h=3 m=22
